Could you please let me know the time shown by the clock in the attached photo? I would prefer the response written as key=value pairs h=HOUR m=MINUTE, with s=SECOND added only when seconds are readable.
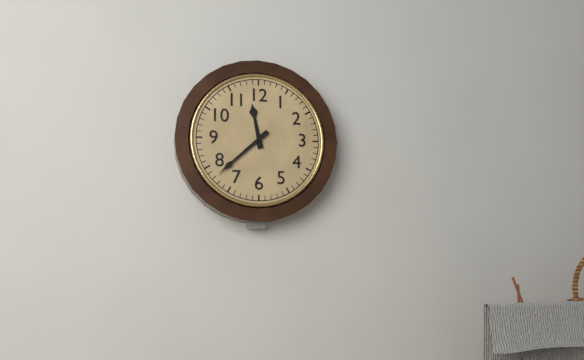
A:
h=11 m=38
